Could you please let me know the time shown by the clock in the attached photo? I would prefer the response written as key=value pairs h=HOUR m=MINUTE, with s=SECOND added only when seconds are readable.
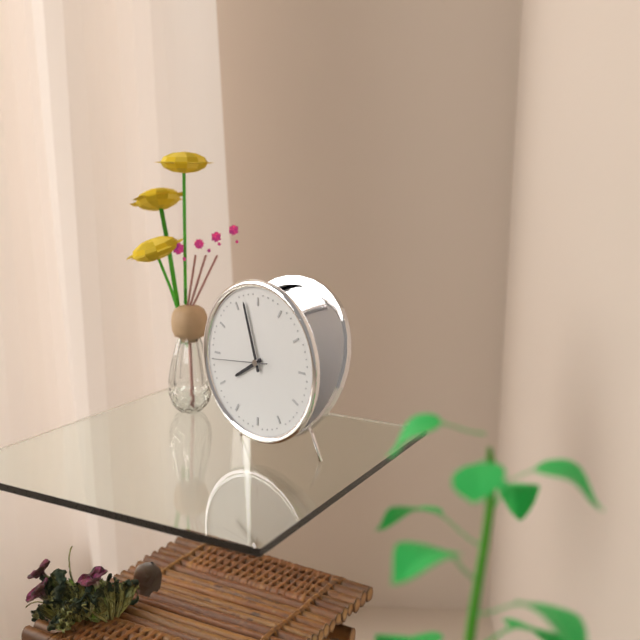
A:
h=7 m=57 s=44
